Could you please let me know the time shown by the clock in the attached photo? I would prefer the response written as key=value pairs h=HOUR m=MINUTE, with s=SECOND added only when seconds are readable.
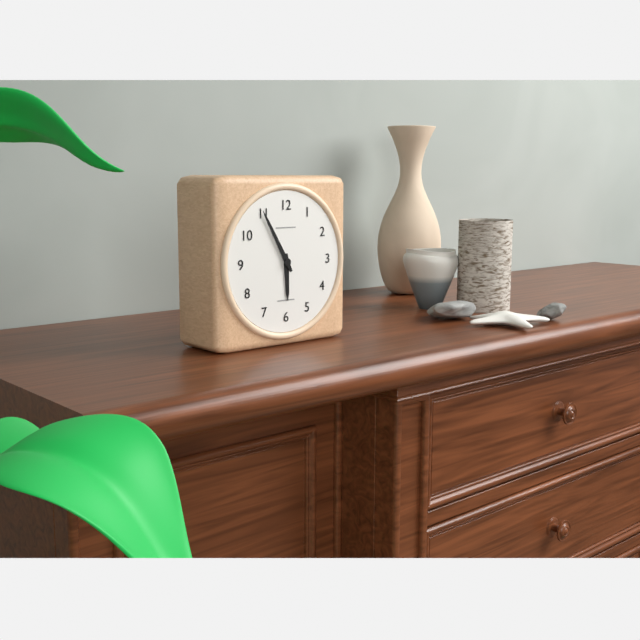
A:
h=5 m=55
